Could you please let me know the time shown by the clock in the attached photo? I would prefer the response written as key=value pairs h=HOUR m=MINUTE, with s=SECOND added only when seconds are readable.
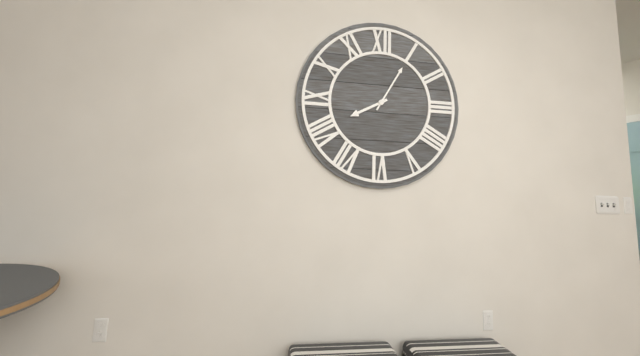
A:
h=8 m=5
